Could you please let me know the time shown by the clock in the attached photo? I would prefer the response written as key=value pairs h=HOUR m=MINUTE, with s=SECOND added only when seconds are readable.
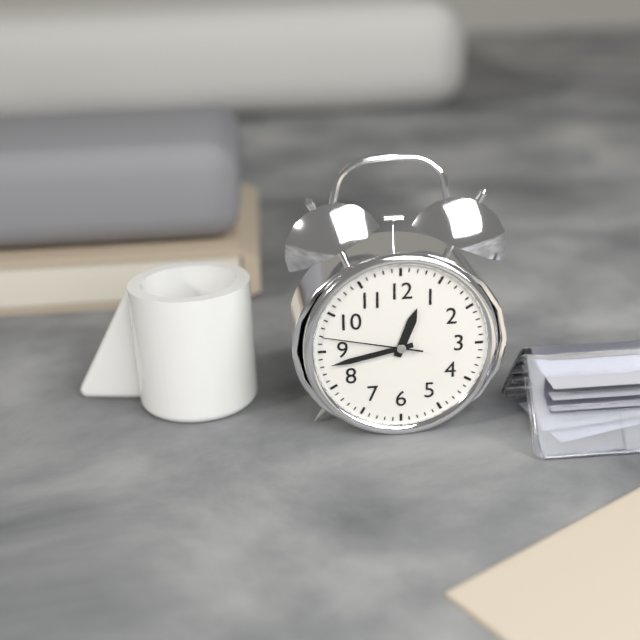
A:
h=12 m=43 s=47
